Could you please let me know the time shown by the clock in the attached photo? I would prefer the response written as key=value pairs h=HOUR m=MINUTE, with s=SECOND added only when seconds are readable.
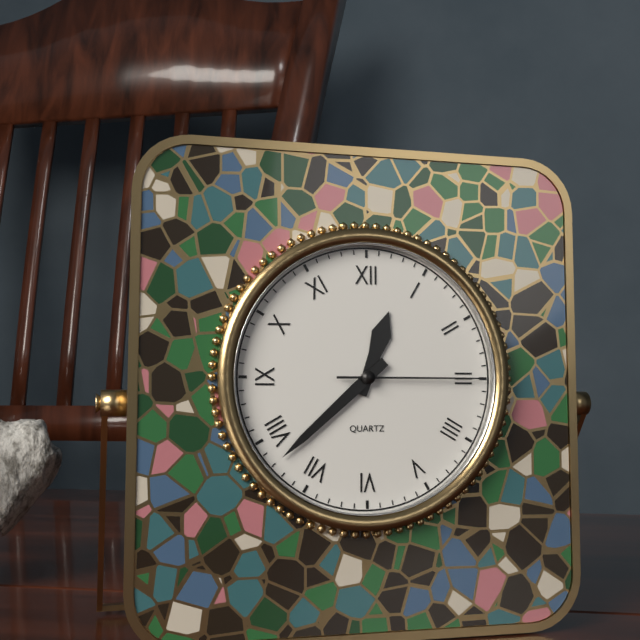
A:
h=12 m=38 s=15
